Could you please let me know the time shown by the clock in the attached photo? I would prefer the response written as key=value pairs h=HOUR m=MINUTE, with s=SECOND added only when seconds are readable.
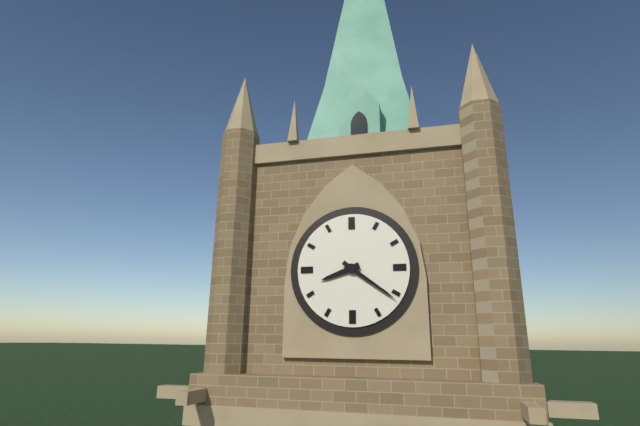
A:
h=8 m=21
